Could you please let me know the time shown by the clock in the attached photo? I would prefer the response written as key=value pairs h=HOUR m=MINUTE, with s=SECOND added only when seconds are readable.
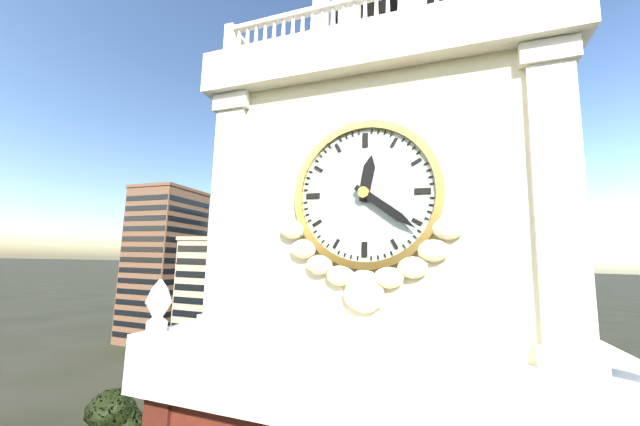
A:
h=12 m=21
